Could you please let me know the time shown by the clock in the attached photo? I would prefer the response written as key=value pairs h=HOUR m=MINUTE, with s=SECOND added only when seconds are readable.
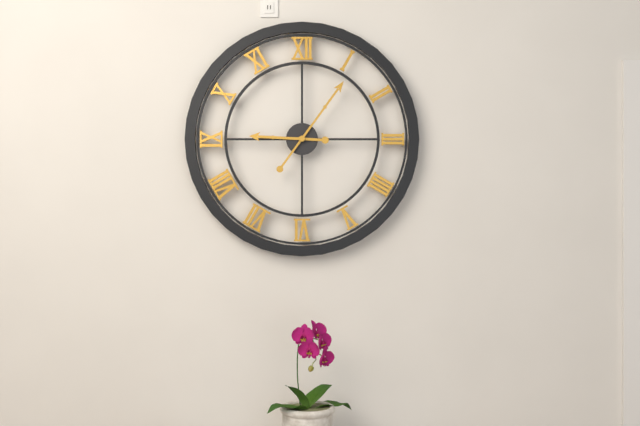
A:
h=9 m=6
